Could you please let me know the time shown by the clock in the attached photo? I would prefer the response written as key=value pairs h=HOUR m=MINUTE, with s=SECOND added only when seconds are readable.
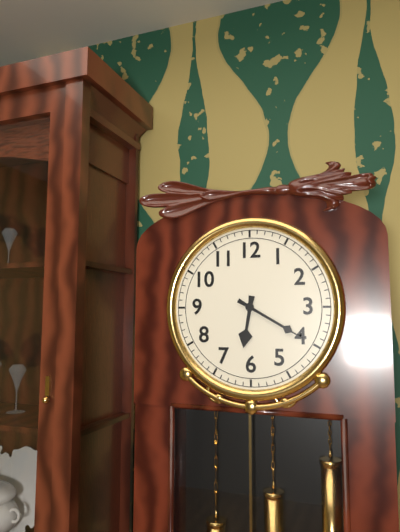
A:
h=6 m=20
